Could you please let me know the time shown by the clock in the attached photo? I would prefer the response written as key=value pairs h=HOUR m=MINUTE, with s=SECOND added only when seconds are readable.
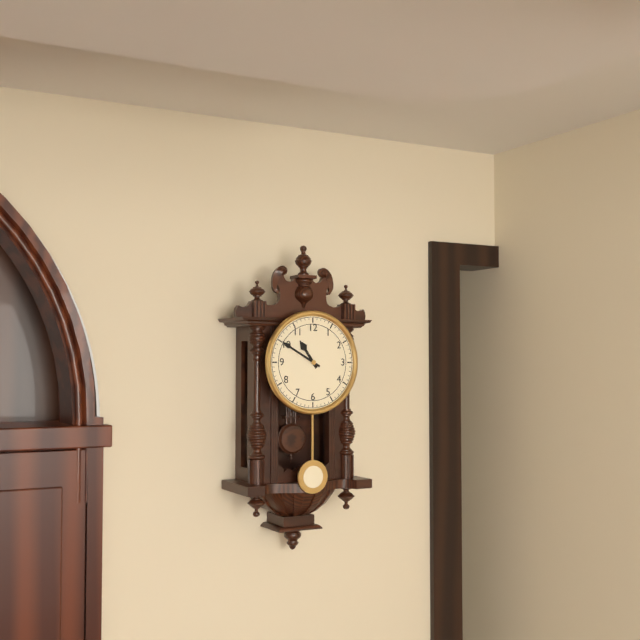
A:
h=10 m=50
